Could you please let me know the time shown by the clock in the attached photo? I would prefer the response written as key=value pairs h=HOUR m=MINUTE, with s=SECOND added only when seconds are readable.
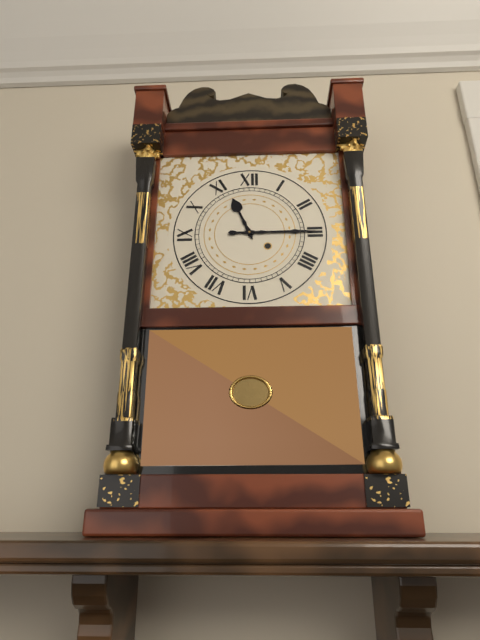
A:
h=11 m=15
